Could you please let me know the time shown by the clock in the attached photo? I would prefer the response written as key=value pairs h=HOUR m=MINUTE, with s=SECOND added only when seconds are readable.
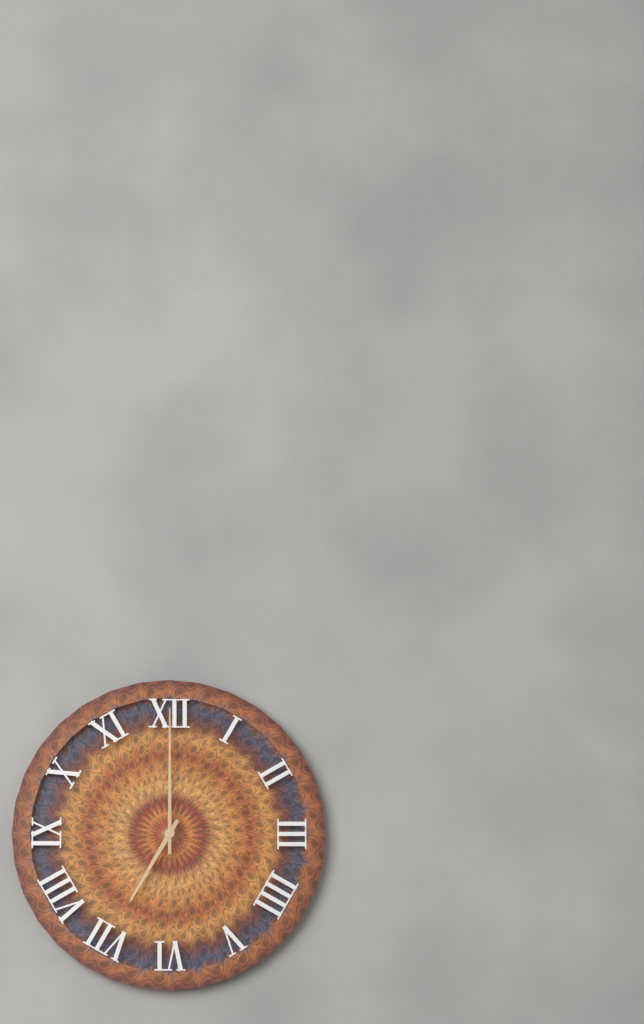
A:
h=7 m=0
